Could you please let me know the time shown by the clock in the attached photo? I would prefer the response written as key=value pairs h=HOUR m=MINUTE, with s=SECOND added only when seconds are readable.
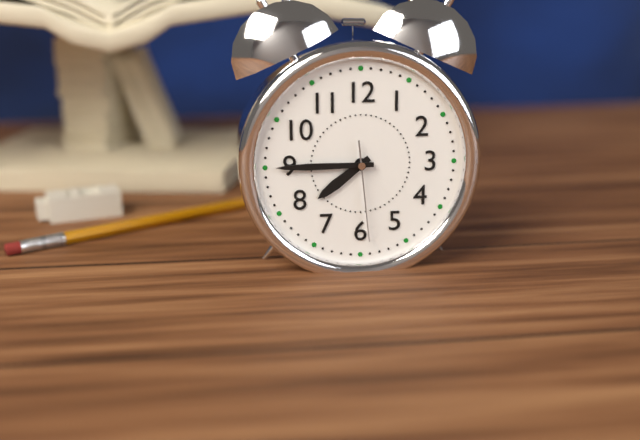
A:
h=7 m=45 s=29
